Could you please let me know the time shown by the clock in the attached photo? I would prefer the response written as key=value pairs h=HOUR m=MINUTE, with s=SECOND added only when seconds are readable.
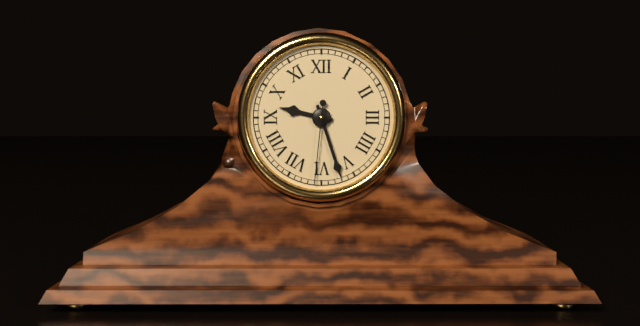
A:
h=9 m=27 s=31
